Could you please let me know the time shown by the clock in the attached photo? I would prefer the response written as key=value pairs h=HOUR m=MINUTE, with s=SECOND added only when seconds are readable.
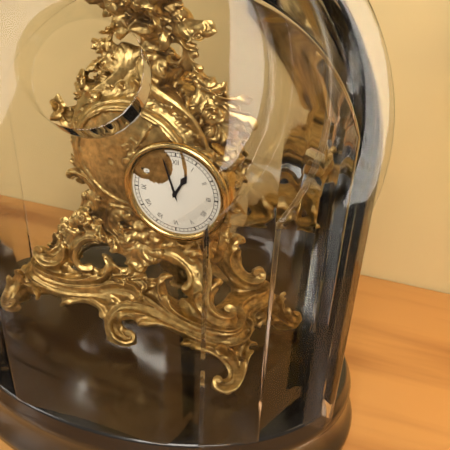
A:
h=12 m=57
